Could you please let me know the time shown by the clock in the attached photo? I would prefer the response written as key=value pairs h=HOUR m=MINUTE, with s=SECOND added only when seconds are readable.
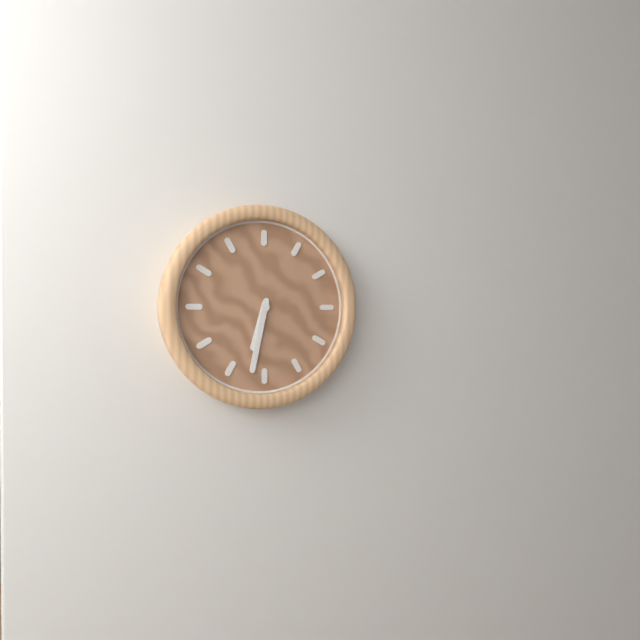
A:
h=6 m=32
